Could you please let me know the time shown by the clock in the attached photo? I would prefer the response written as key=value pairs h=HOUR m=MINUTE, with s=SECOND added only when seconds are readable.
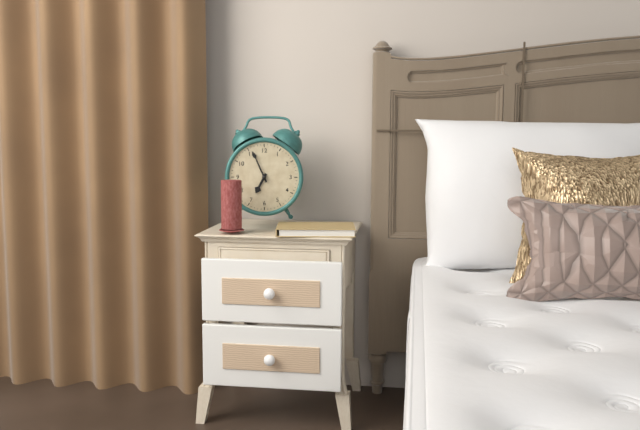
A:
h=6 m=56
